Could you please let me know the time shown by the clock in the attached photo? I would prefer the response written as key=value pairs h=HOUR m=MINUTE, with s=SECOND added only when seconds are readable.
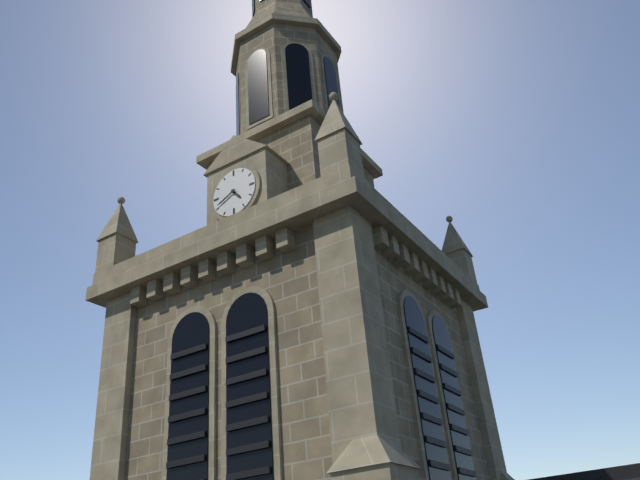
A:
h=4 m=41
